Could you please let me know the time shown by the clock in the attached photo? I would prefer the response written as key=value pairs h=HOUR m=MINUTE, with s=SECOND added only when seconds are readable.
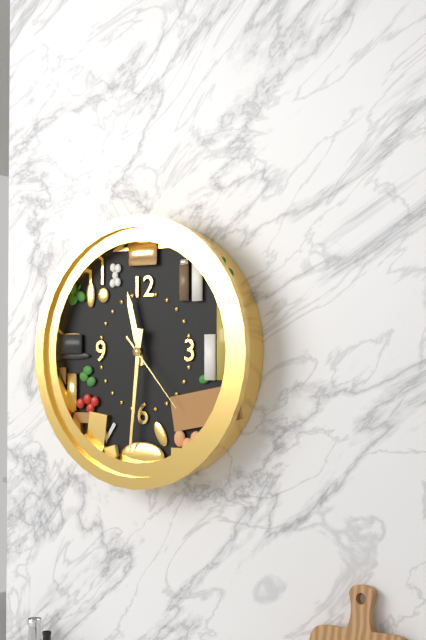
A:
h=11 m=31 s=23
